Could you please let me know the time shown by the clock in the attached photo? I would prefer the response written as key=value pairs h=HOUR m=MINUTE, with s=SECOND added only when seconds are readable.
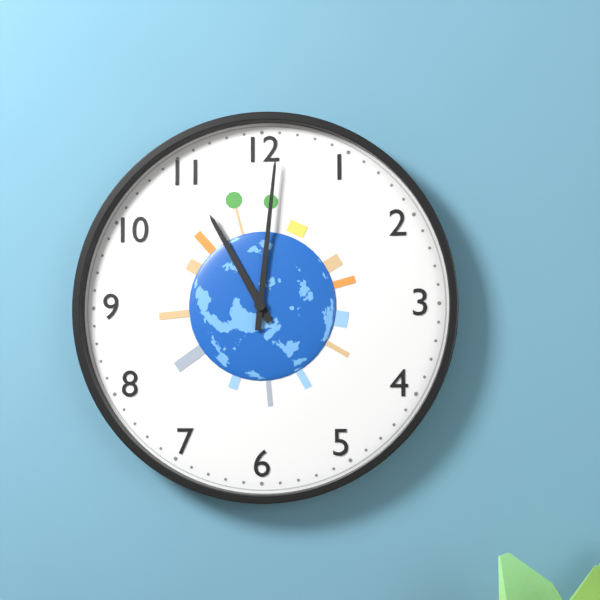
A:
h=11 m=1
